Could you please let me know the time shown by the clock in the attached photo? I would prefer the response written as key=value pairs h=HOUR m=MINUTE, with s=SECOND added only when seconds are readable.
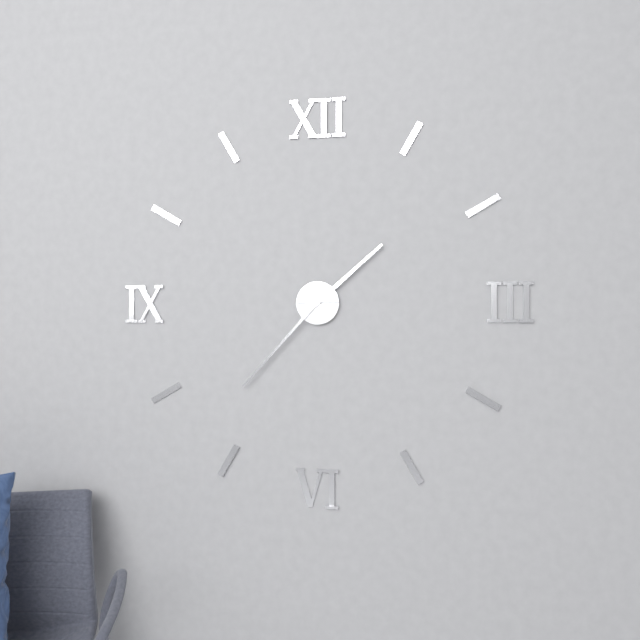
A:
h=1 m=37
